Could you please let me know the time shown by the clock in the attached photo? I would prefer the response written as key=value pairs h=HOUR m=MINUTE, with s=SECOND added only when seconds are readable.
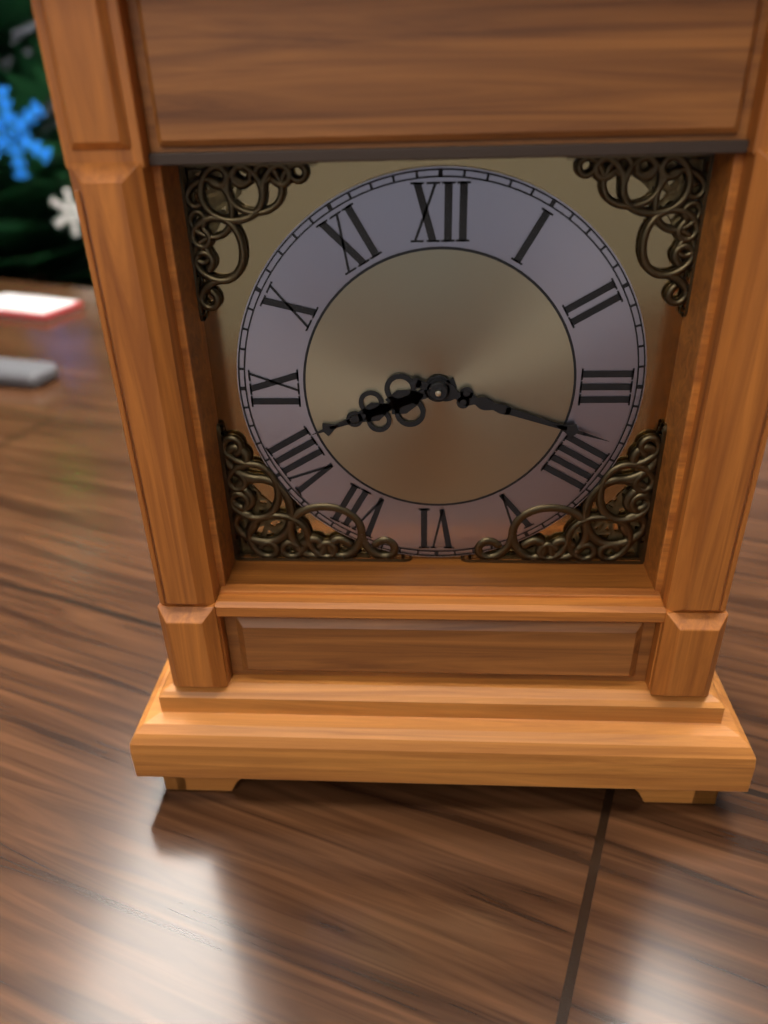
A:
h=8 m=18
